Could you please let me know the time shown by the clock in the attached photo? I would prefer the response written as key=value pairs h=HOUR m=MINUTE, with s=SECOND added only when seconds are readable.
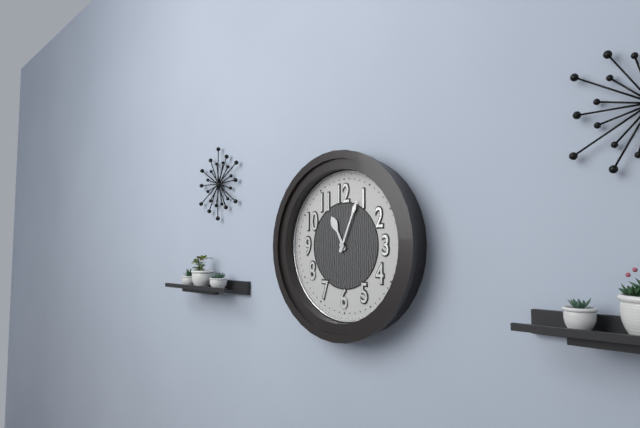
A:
h=11 m=4
